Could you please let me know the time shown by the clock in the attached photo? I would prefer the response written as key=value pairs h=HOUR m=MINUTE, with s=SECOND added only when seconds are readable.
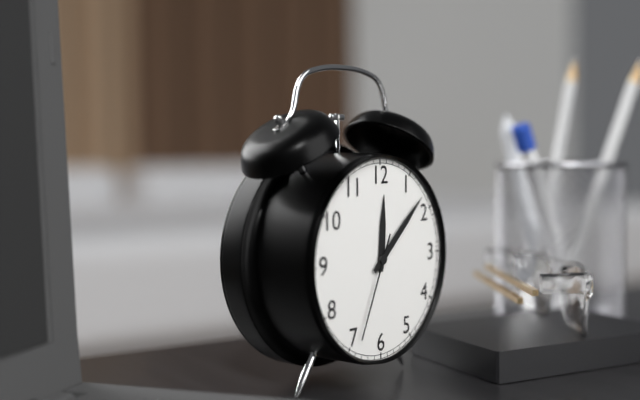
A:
h=12 m=8 s=34
